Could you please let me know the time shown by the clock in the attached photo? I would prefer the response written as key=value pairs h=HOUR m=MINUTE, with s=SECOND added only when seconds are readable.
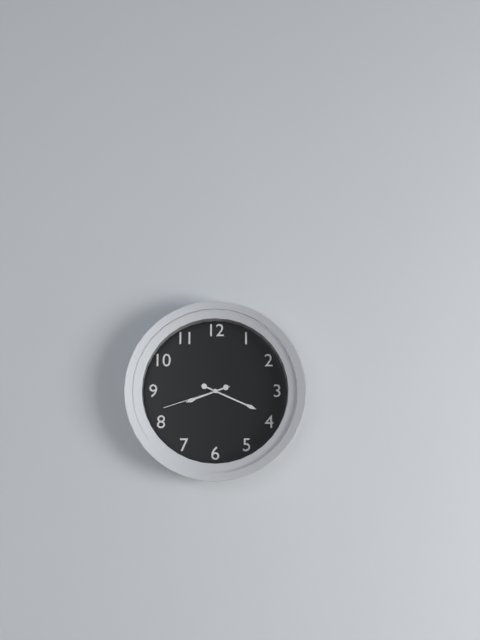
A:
h=8 m=19 s=42
